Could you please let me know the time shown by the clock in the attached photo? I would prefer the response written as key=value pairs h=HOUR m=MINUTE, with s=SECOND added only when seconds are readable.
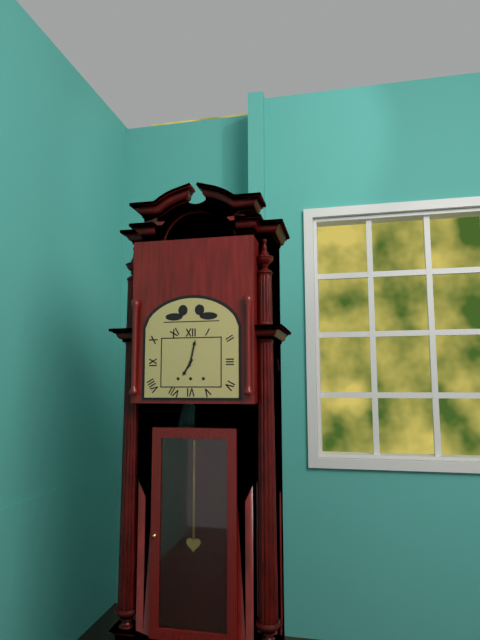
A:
h=7 m=2
